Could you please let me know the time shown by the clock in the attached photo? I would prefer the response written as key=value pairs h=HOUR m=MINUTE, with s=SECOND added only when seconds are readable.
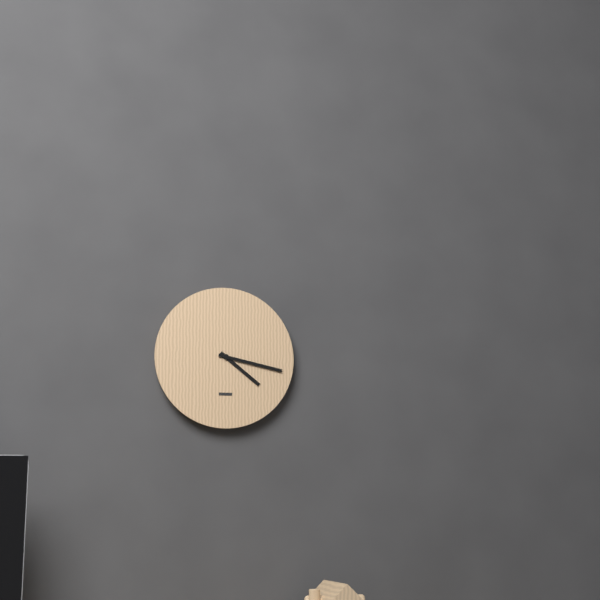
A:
h=4 m=17
